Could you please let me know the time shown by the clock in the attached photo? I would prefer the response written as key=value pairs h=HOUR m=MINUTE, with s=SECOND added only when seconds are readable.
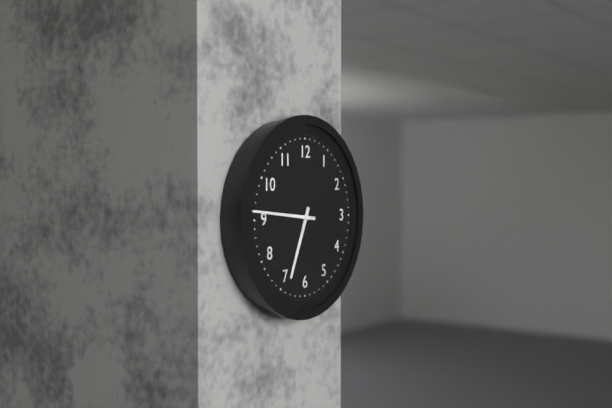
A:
h=6 m=46
